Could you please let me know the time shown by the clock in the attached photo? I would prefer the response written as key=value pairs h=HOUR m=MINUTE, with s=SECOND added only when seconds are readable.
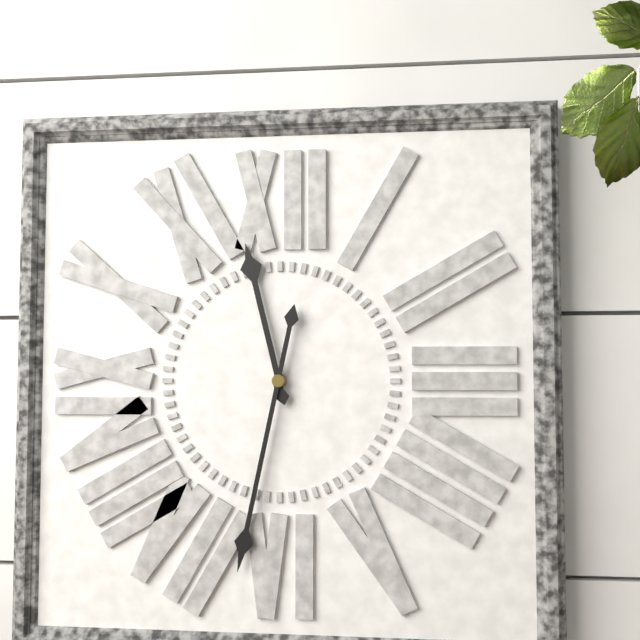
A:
h=11 m=32
